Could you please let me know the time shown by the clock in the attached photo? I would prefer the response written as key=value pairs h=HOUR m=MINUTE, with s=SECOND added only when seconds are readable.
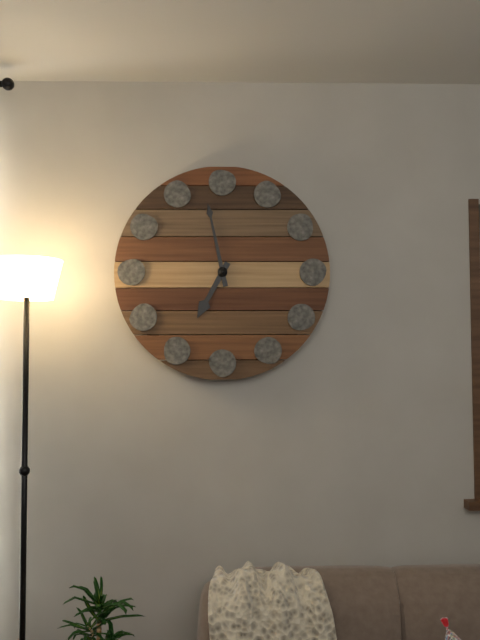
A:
h=6 m=58
